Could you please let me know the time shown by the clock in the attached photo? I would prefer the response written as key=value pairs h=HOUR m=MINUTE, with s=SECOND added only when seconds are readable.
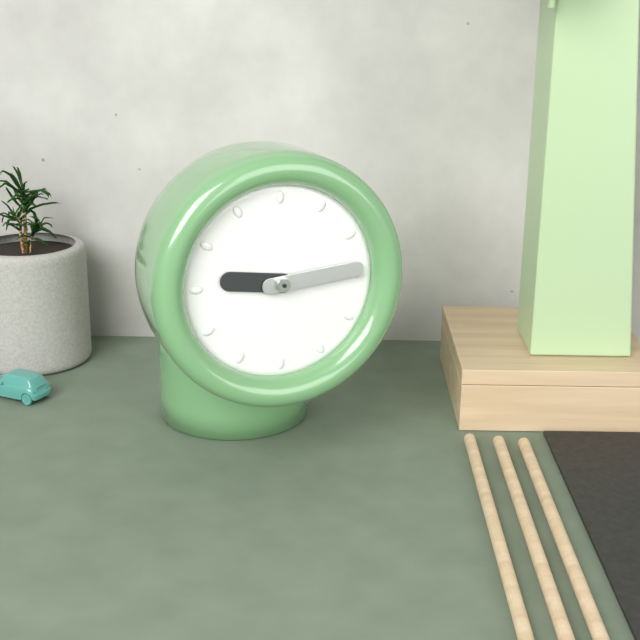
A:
h=9 m=14
